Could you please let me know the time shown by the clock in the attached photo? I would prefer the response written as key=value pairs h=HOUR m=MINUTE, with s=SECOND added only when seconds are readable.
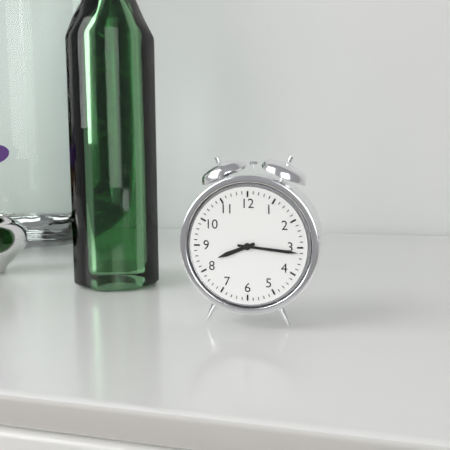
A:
h=8 m=16
